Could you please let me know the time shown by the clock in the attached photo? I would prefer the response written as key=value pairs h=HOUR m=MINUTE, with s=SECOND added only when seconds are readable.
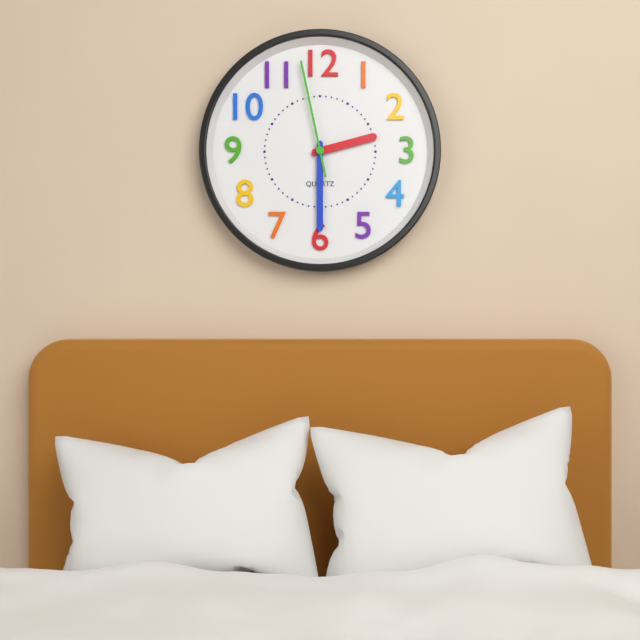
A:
h=2 m=30 s=58
